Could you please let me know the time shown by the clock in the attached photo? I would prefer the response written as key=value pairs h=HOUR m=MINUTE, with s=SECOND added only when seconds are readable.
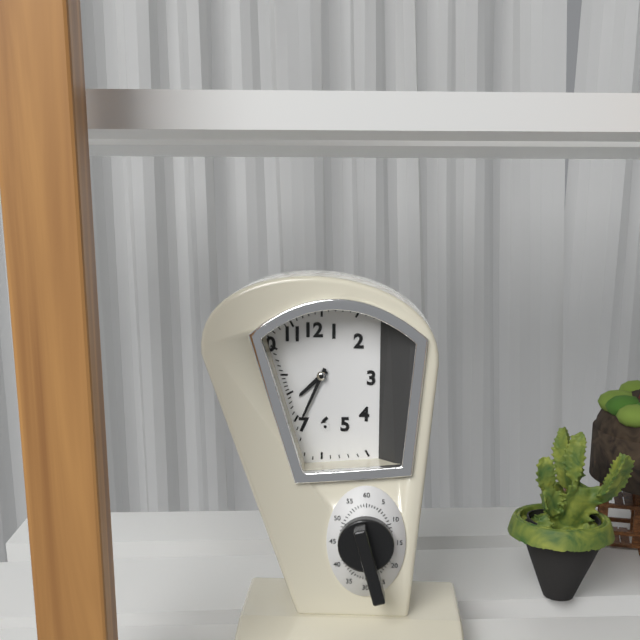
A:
h=7 m=34
